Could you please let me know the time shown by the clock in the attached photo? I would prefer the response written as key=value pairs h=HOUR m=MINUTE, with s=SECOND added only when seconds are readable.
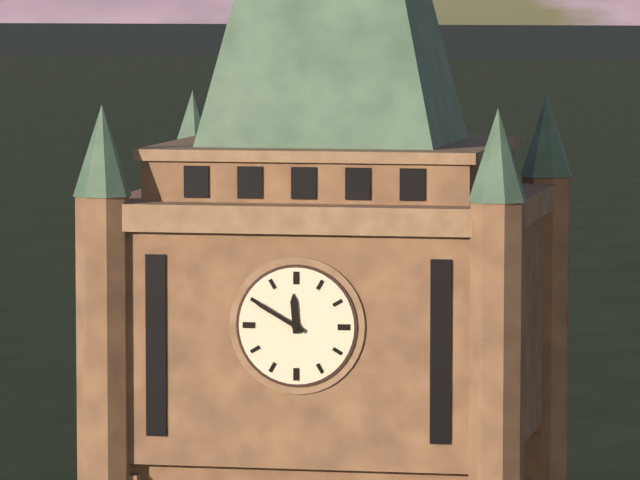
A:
h=11 m=50
